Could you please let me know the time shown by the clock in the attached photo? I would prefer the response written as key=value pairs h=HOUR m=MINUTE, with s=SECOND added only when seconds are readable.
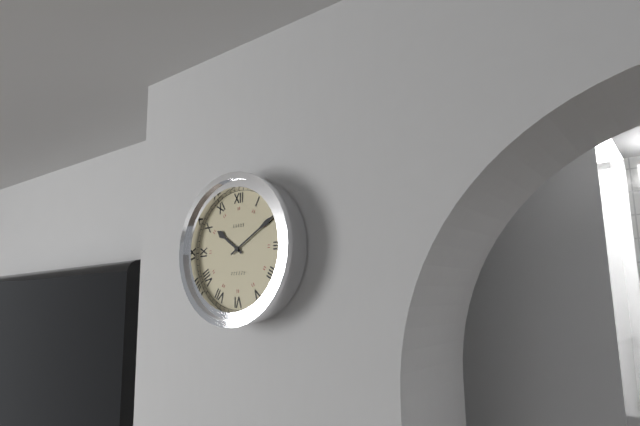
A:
h=10 m=10
